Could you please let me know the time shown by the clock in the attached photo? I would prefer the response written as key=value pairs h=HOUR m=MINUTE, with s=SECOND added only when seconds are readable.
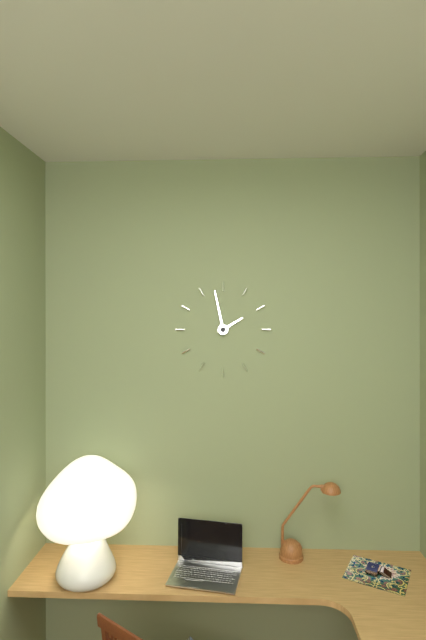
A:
h=1 m=58
